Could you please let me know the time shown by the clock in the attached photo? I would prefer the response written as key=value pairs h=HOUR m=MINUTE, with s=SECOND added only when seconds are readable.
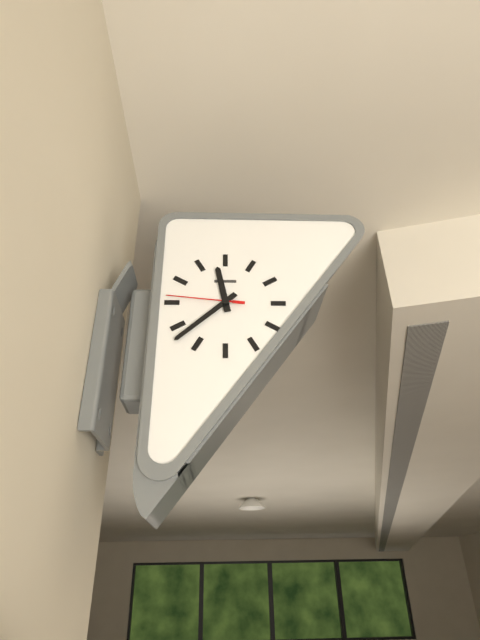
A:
h=11 m=38 s=46
